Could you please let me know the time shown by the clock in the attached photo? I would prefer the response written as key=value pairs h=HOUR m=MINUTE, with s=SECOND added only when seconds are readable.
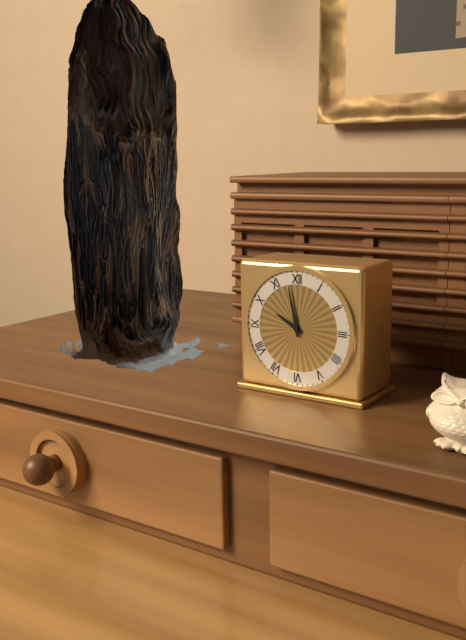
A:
h=9 m=58
